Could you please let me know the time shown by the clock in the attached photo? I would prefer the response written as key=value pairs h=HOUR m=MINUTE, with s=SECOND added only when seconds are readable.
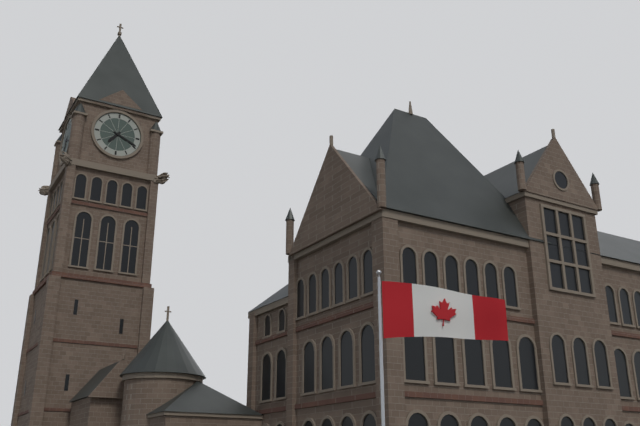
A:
h=7 m=19
